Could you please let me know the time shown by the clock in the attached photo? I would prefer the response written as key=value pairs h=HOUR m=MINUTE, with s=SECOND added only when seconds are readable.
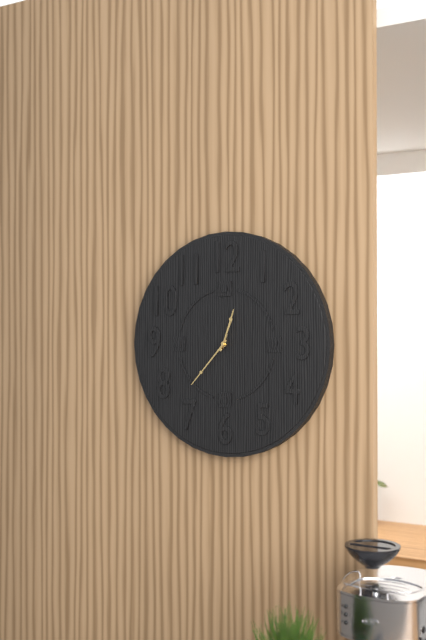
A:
h=12 m=37
